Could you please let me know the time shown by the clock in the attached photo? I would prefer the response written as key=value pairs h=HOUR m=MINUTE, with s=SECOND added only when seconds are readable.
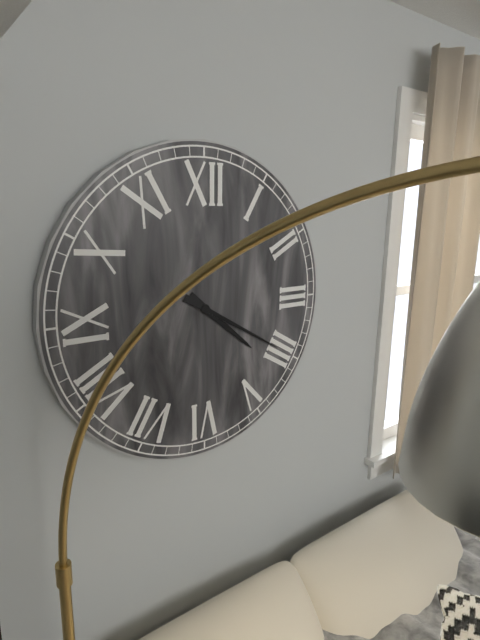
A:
h=4 m=20
